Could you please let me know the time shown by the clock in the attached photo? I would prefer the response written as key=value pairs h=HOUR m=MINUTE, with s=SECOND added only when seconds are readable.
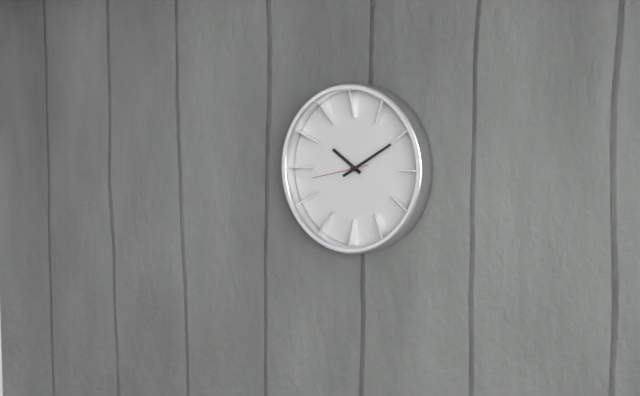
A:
h=10 m=10 s=43
